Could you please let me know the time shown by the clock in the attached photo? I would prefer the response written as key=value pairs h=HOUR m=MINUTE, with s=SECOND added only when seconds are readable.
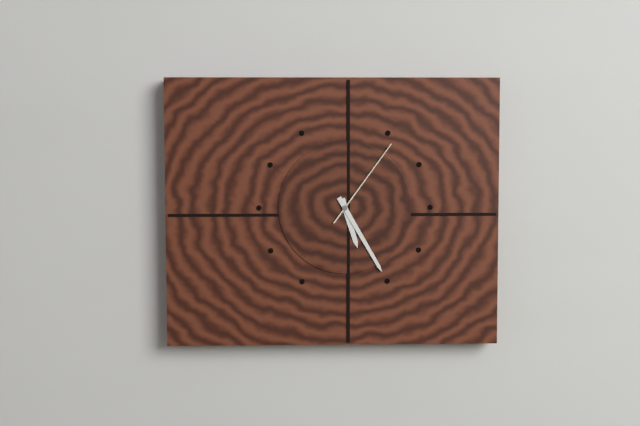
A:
h=5 m=25 s=6
